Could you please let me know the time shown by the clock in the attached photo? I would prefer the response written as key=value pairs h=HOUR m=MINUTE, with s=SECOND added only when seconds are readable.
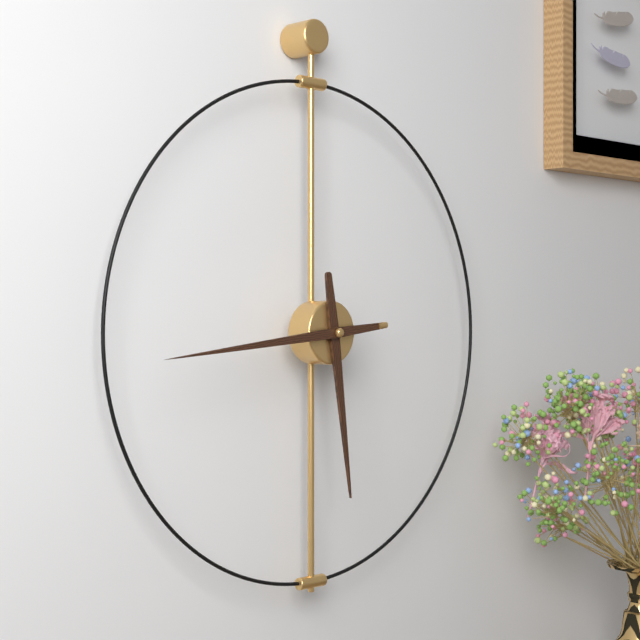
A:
h=5 m=44
